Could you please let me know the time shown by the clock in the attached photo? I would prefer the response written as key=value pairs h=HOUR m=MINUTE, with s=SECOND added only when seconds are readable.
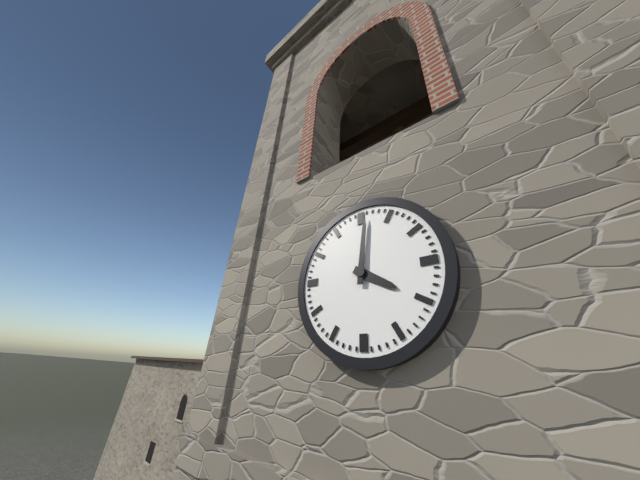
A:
h=4 m=1
